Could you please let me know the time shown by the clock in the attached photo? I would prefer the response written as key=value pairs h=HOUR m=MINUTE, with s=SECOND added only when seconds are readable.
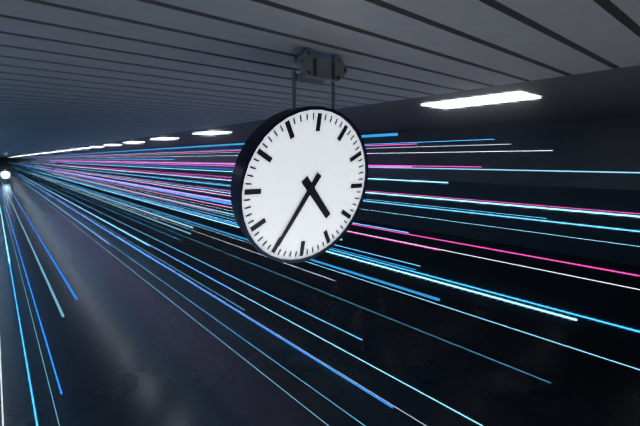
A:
h=4 m=35
